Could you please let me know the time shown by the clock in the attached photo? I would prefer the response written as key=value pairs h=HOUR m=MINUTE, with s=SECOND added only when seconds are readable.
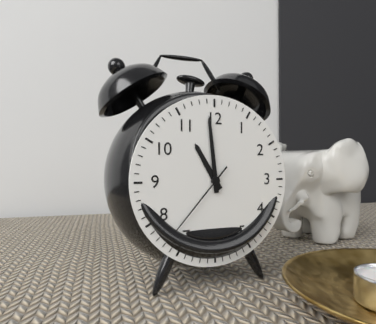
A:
h=10 m=59 s=37
